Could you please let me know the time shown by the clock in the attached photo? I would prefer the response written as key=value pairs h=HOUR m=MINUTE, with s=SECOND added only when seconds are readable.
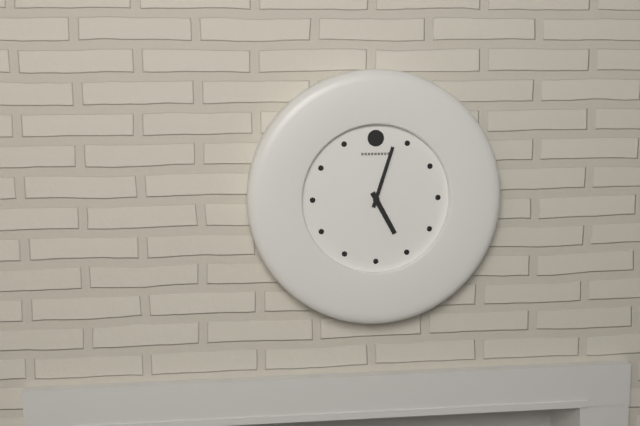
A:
h=5 m=3
